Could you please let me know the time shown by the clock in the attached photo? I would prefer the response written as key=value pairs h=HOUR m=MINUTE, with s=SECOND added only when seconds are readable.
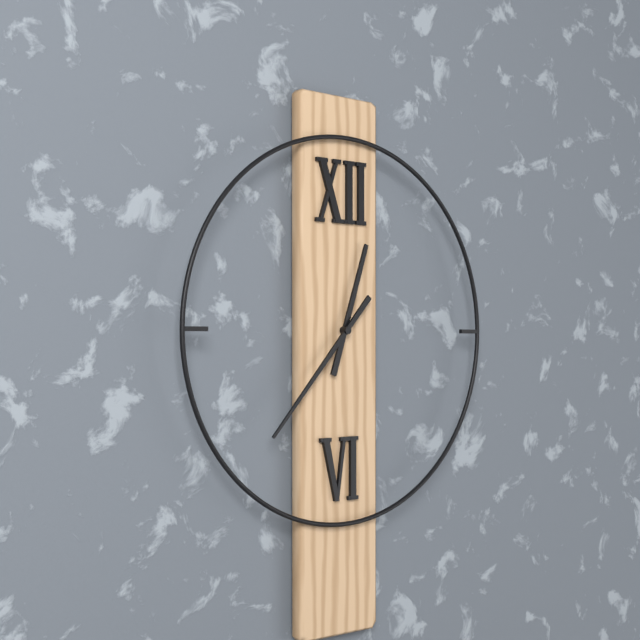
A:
h=12 m=37
